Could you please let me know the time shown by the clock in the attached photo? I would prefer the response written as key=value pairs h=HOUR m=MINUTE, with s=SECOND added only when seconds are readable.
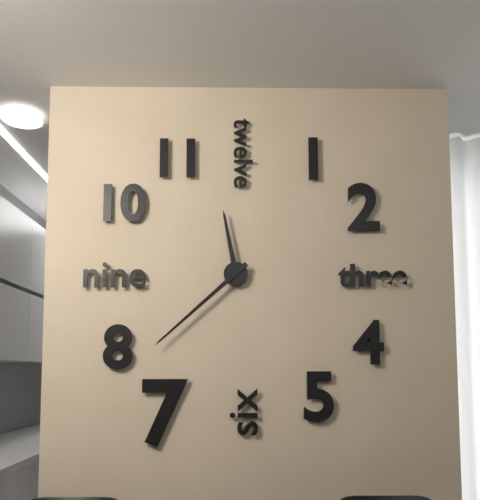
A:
h=11 m=38
